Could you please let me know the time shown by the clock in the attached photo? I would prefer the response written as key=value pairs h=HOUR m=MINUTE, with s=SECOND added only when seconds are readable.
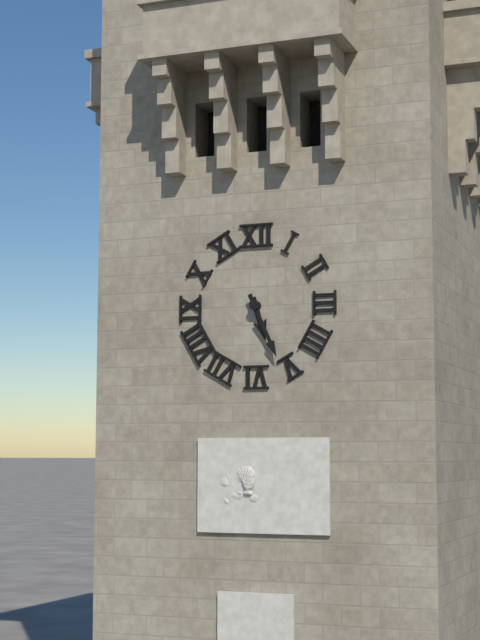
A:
h=5 m=26
